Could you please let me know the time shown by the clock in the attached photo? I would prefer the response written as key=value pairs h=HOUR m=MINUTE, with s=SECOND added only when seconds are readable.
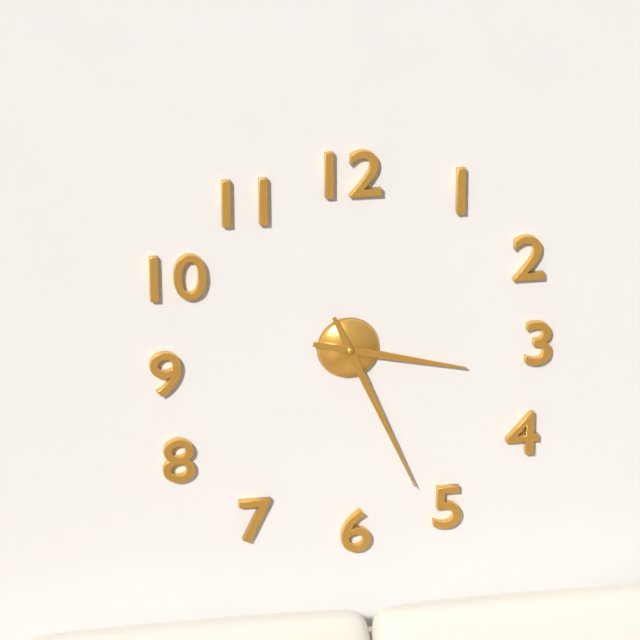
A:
h=3 m=26
